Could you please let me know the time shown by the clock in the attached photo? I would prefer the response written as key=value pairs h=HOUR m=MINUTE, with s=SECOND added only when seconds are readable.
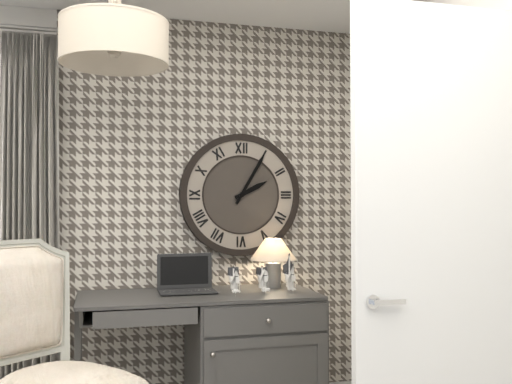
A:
h=2 m=5
